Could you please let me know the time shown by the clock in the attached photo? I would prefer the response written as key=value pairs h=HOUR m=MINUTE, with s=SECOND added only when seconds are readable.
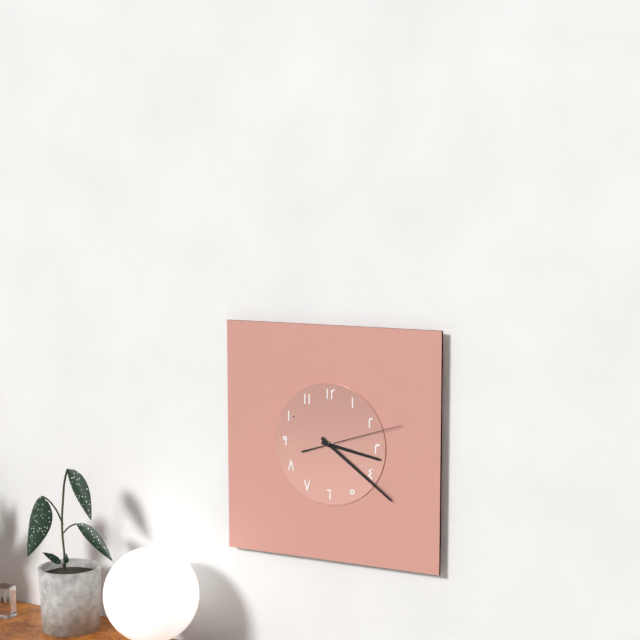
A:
h=3 m=21 s=12
